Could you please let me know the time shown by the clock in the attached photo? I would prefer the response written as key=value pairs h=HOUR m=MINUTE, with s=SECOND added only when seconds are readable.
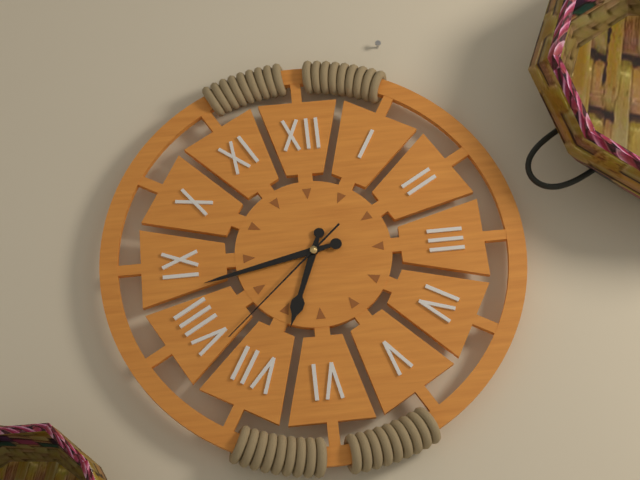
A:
h=6 m=43 s=38
